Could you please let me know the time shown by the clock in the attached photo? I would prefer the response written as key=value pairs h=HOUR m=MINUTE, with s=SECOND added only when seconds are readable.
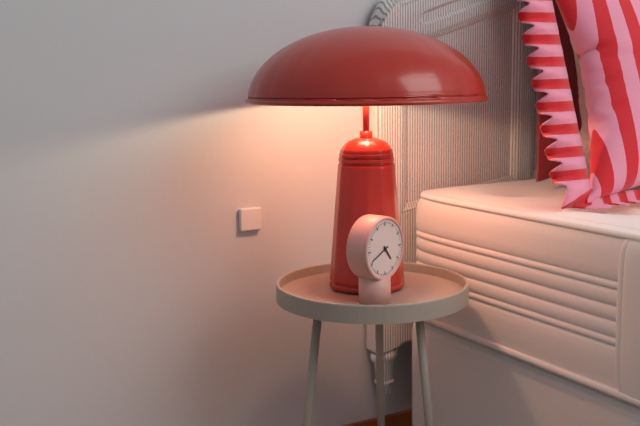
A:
h=4 m=41
